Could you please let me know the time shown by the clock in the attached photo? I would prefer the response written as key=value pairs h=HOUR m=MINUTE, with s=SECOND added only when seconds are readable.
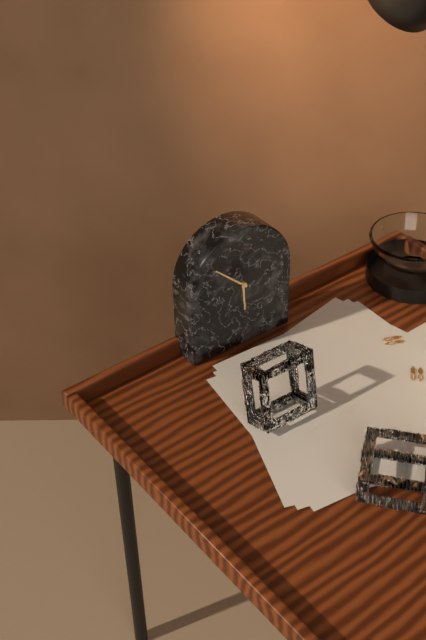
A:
h=5 m=52
